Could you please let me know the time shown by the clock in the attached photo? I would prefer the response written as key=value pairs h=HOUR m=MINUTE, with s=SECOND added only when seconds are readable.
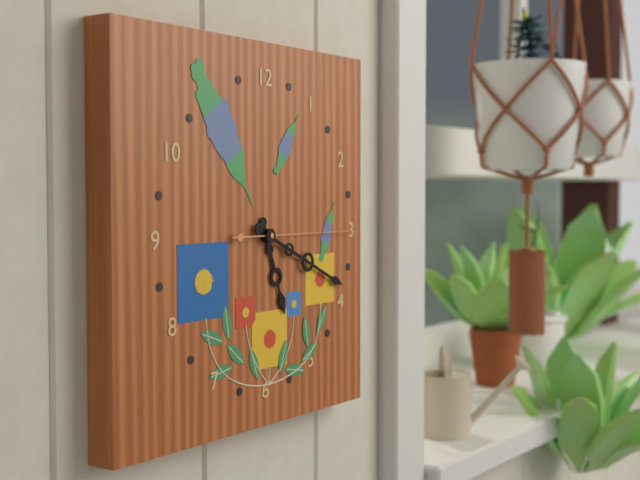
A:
h=5 m=19 s=15
